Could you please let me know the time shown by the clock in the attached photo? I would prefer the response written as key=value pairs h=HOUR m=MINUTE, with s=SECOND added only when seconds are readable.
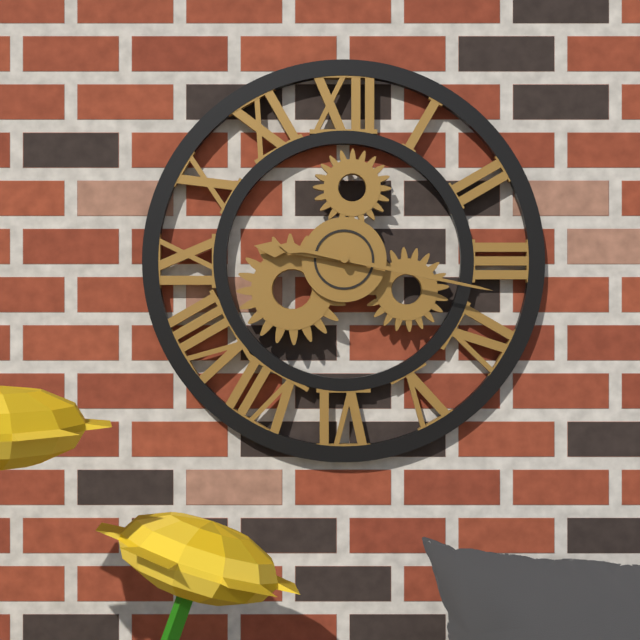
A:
h=9 m=17
